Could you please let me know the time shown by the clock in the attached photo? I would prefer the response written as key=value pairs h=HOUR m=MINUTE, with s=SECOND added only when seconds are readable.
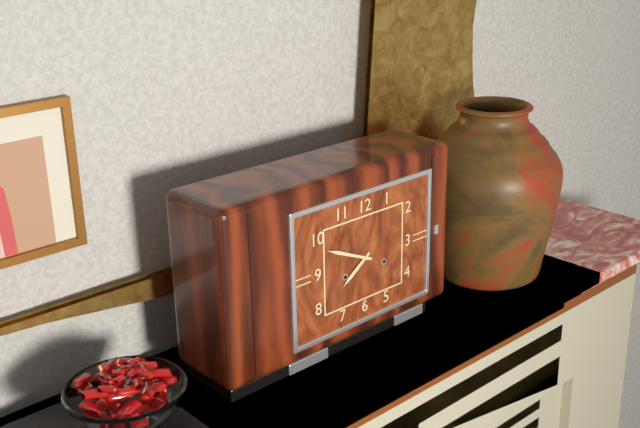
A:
h=7 m=49
